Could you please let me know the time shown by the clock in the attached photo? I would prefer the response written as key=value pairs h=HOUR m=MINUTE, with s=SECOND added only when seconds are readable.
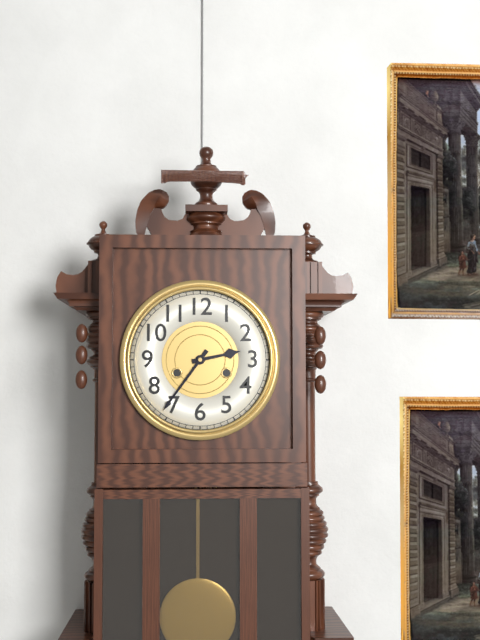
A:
h=2 m=36
